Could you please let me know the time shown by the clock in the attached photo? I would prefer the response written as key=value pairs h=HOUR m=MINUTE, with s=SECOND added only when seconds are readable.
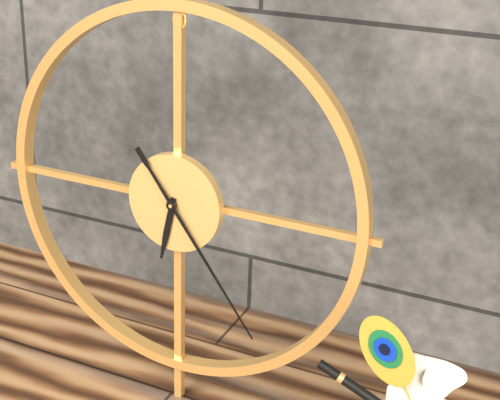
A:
h=6 m=24
